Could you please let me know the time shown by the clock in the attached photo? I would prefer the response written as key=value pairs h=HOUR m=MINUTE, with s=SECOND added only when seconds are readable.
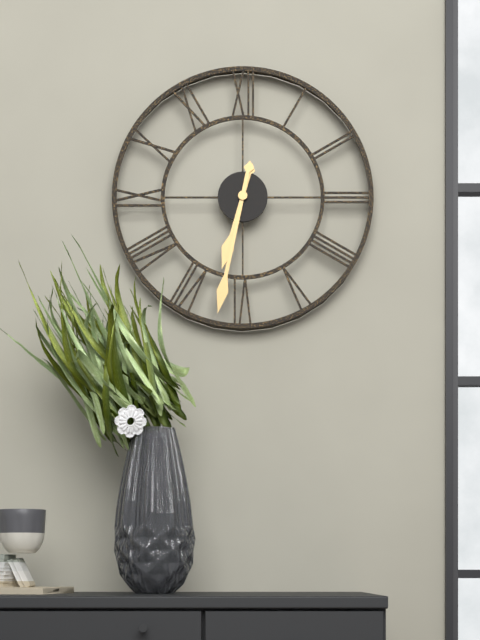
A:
h=6 m=32
